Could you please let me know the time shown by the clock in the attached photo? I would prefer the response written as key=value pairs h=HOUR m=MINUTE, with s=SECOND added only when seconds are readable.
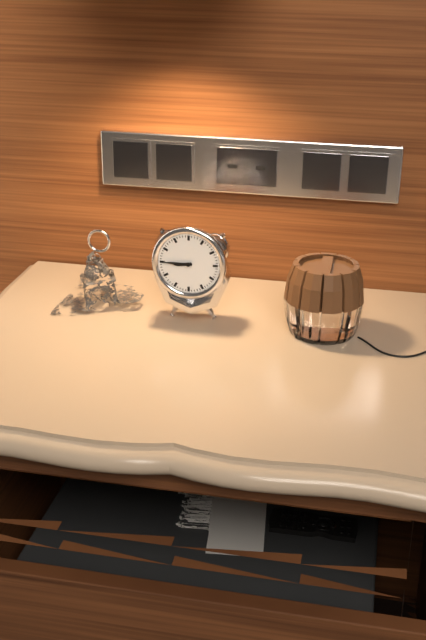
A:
h=8 m=45
